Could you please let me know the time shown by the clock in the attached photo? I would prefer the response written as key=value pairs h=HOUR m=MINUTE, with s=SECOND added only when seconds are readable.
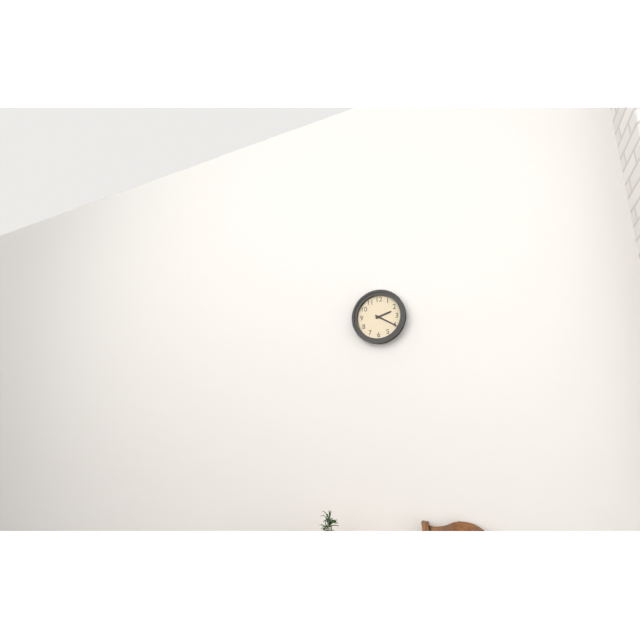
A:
h=2 m=20
